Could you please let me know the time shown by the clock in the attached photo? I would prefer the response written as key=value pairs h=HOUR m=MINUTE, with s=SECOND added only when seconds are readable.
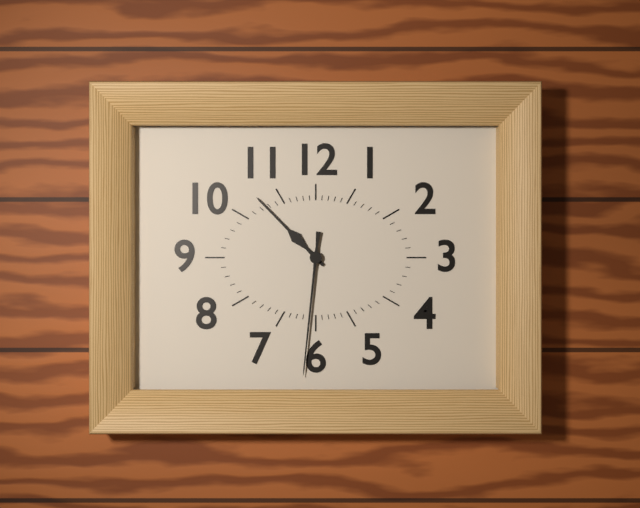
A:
h=10 m=31
